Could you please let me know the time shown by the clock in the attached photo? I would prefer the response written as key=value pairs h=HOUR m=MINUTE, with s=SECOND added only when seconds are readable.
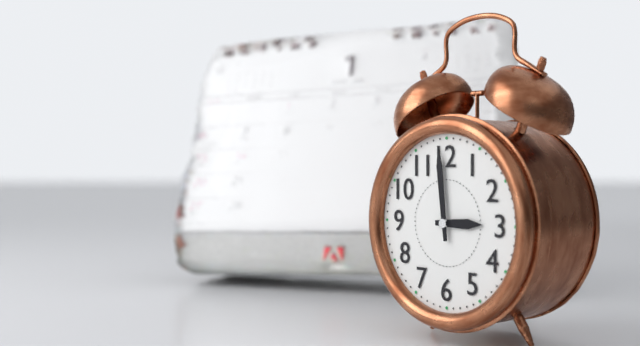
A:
h=2 m=59
